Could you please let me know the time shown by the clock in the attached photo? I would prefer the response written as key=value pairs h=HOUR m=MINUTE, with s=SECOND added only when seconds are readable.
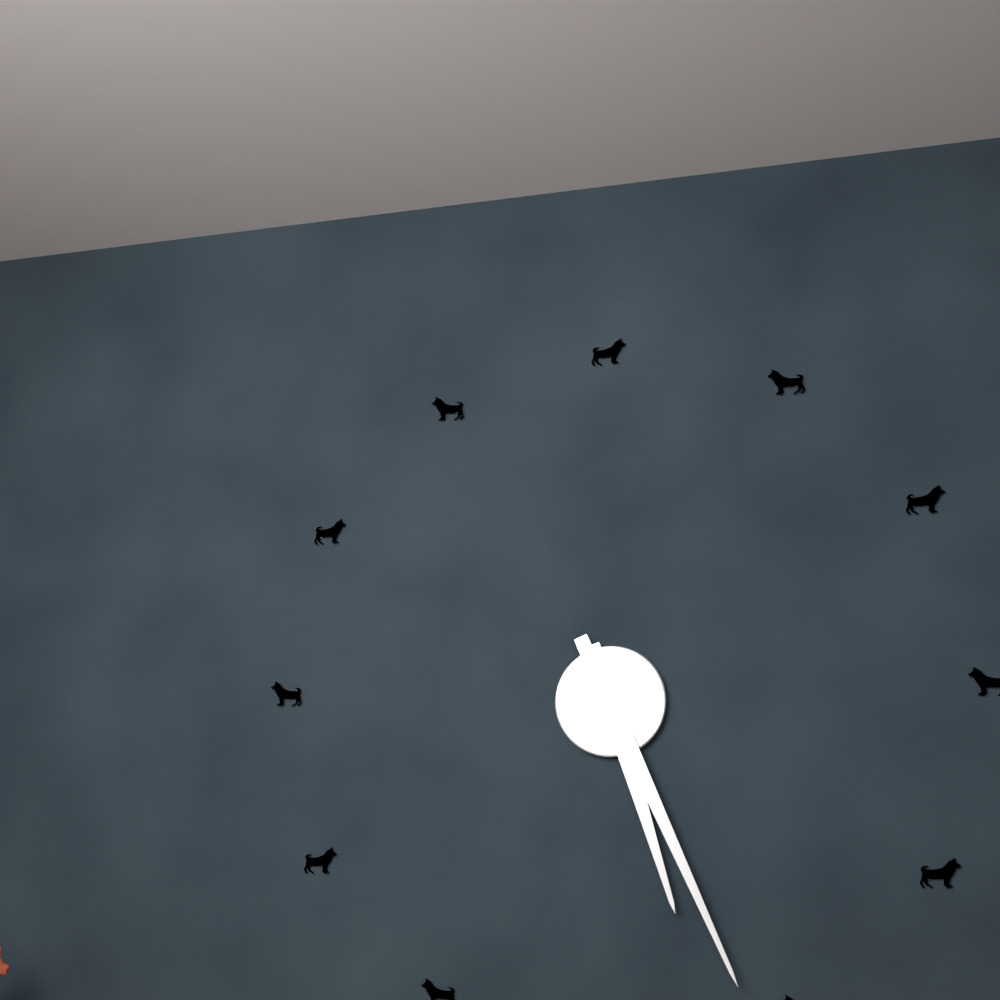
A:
h=5 m=26
